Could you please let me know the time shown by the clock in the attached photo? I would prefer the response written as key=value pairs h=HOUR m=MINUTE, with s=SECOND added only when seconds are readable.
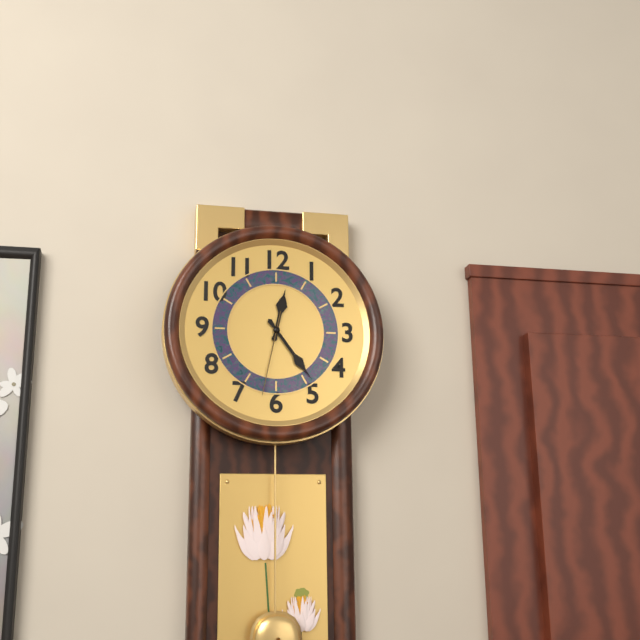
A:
h=12 m=24 s=32
